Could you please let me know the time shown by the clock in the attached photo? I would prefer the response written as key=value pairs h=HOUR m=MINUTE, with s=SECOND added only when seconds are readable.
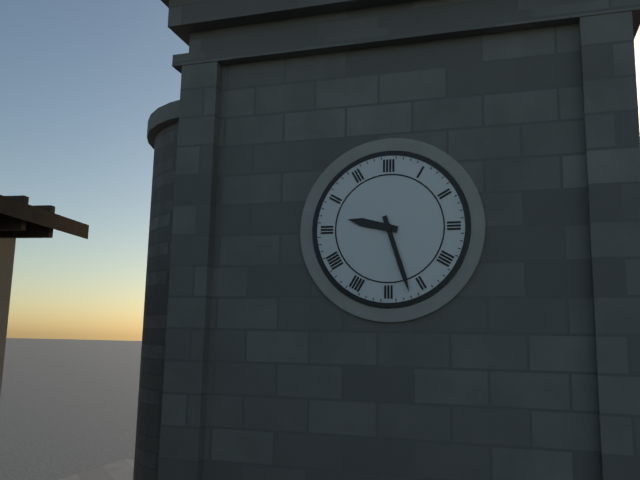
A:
h=9 m=27
